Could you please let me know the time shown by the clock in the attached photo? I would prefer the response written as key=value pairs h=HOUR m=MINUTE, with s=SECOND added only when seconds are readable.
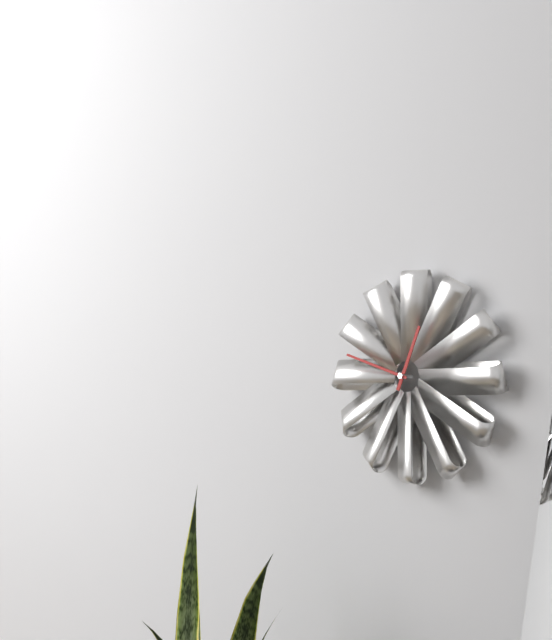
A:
h=12 m=48
